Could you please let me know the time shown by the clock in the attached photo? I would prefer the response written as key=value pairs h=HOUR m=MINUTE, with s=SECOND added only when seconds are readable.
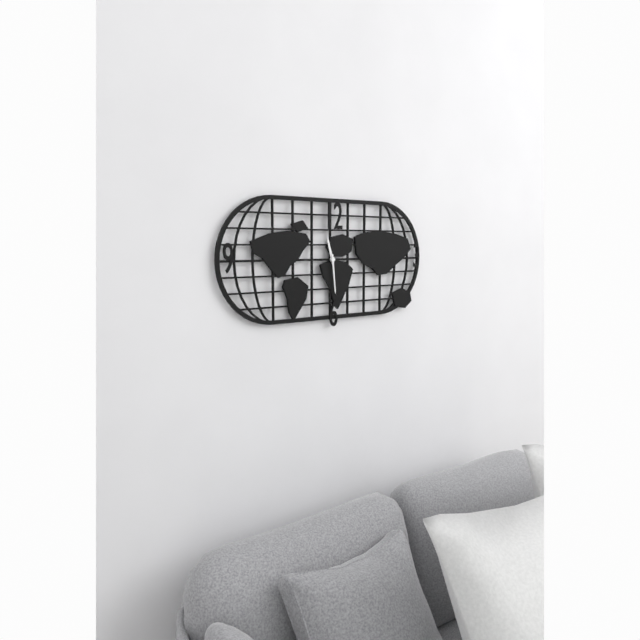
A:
h=11 m=29
